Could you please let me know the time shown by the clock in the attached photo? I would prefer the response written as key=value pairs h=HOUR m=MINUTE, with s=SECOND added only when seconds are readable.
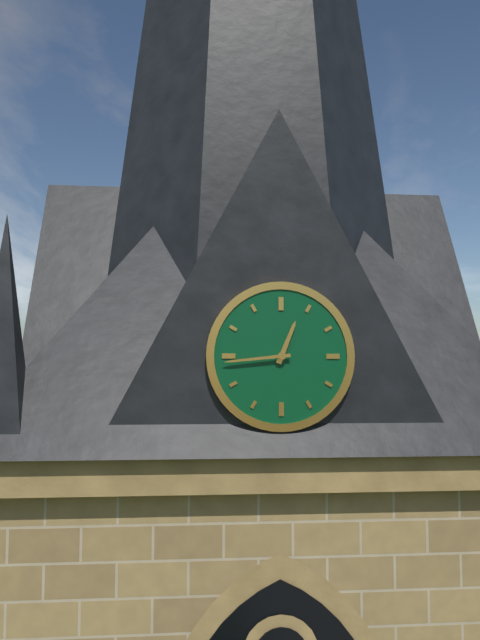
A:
h=12 m=44
